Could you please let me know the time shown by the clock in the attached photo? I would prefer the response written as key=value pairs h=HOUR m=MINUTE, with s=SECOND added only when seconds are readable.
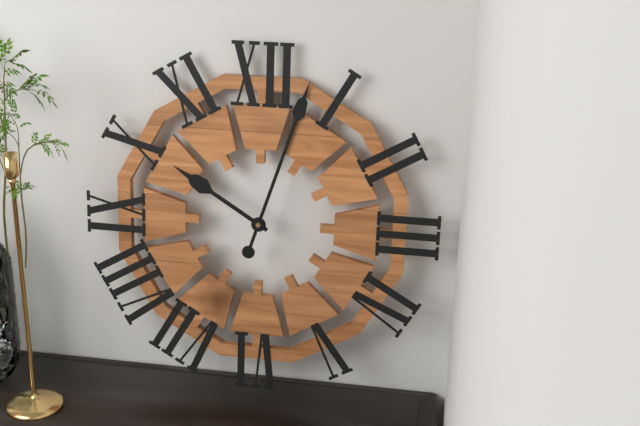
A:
h=10 m=3
